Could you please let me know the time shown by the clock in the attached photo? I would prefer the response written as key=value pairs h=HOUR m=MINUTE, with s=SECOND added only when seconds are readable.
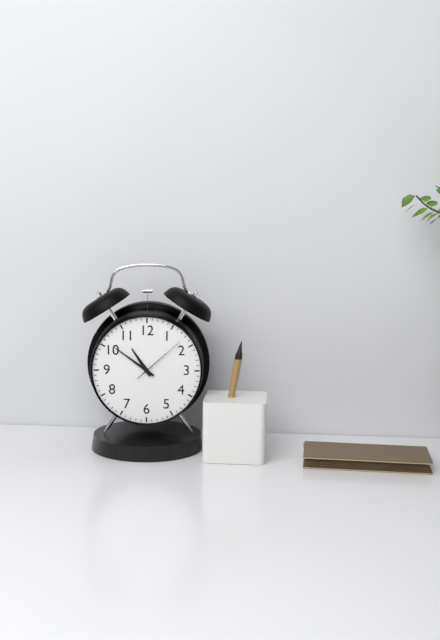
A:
h=10 m=51 s=8
